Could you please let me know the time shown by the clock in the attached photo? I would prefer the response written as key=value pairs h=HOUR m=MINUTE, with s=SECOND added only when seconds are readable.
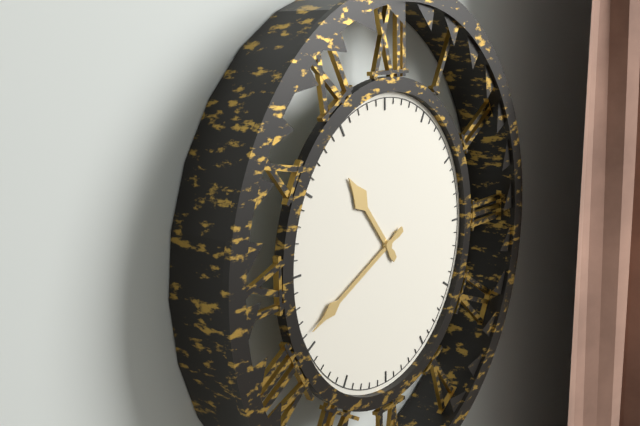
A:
h=10 m=41
